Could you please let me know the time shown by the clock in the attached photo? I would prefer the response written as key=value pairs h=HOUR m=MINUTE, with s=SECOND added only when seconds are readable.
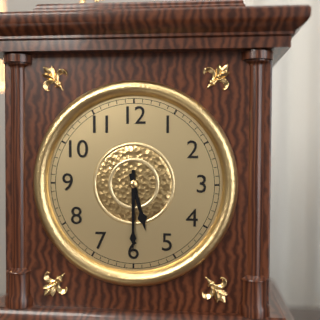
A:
h=5 m=30
